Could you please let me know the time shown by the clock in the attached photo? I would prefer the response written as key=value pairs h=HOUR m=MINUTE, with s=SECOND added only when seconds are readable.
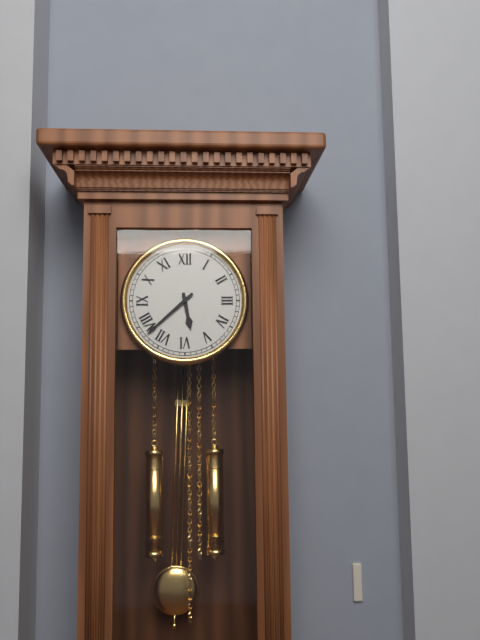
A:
h=5 m=38
